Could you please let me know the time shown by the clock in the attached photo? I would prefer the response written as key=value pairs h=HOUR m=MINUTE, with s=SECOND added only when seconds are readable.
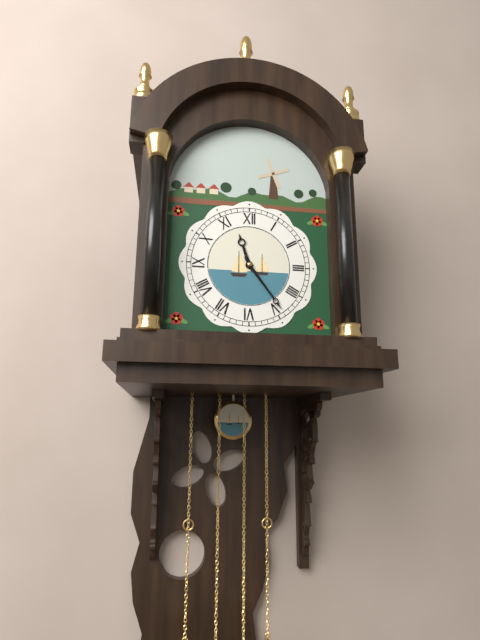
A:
h=11 m=24
